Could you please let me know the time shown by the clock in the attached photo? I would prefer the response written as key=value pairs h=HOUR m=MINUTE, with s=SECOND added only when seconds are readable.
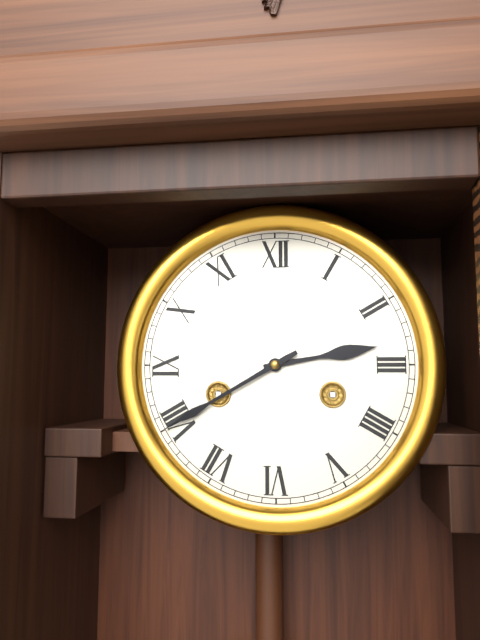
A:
h=2 m=40
